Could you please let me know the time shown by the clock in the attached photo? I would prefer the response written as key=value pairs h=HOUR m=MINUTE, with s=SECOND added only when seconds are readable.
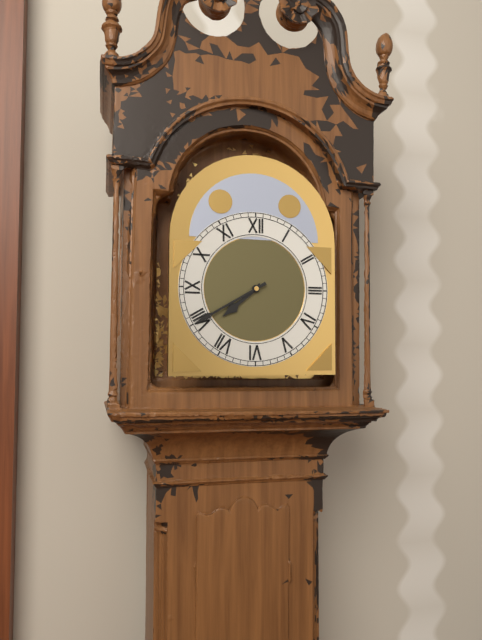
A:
h=7 m=40
